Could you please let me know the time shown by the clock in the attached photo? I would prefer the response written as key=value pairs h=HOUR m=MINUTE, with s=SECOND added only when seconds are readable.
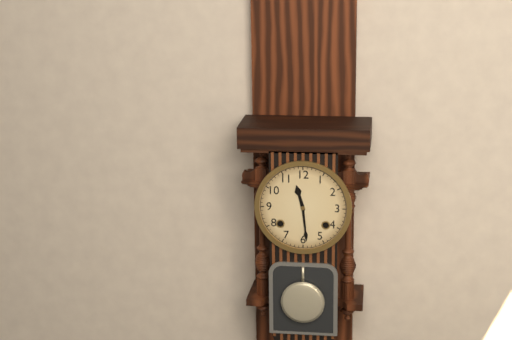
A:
h=11 m=29
